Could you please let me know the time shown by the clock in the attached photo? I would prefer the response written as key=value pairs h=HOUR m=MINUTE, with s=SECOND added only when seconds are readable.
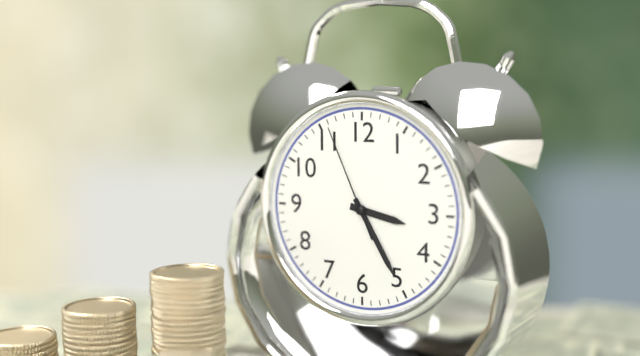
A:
h=3 m=25 s=56
